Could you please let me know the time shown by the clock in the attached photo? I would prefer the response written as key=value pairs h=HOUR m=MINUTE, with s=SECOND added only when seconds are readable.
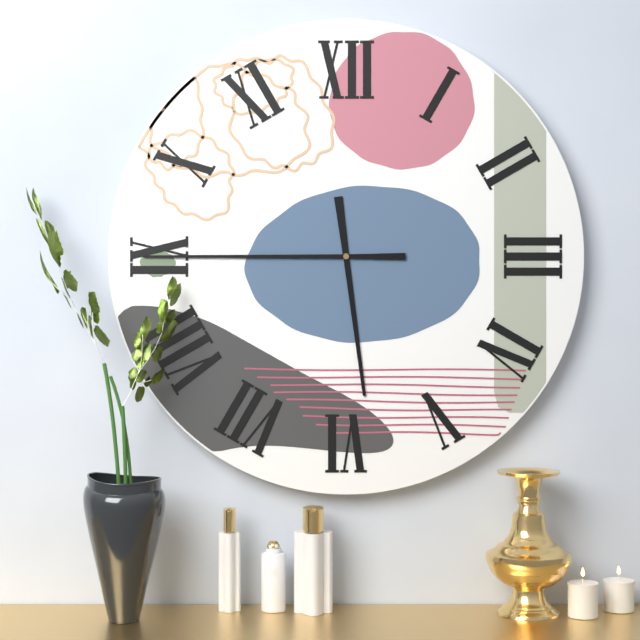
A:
h=5 m=45
